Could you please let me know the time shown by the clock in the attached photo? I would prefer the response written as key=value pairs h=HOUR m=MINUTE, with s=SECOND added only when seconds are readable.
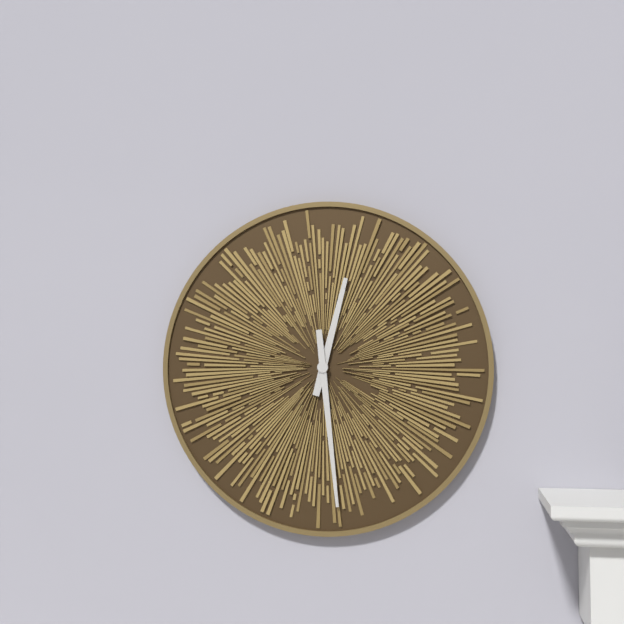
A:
h=12 m=29
